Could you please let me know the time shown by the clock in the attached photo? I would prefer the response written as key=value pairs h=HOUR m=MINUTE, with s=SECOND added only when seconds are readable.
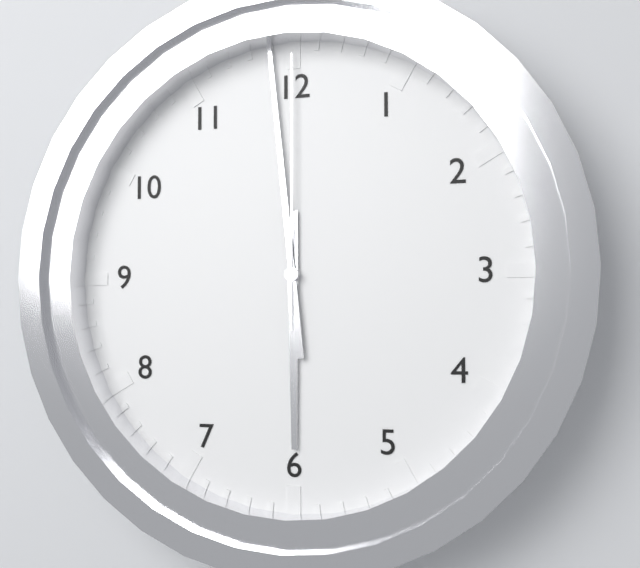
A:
h=5 m=59 s=0
